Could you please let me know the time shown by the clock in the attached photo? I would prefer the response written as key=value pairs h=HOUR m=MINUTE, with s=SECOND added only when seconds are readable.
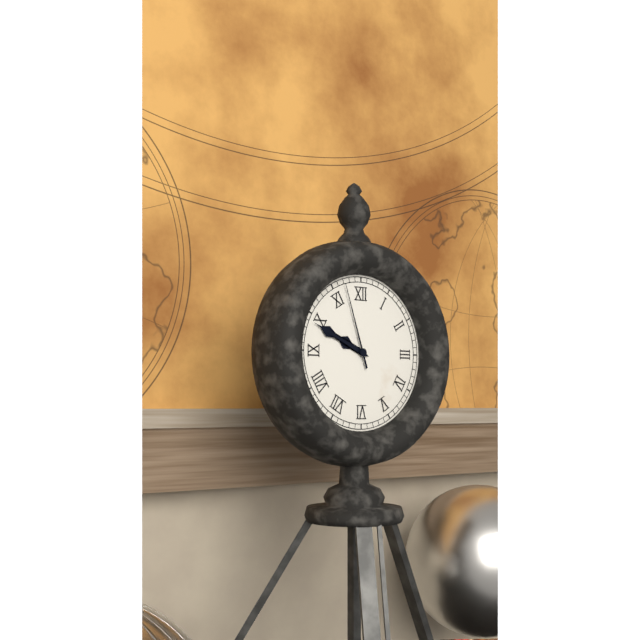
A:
h=9 m=49 s=57
